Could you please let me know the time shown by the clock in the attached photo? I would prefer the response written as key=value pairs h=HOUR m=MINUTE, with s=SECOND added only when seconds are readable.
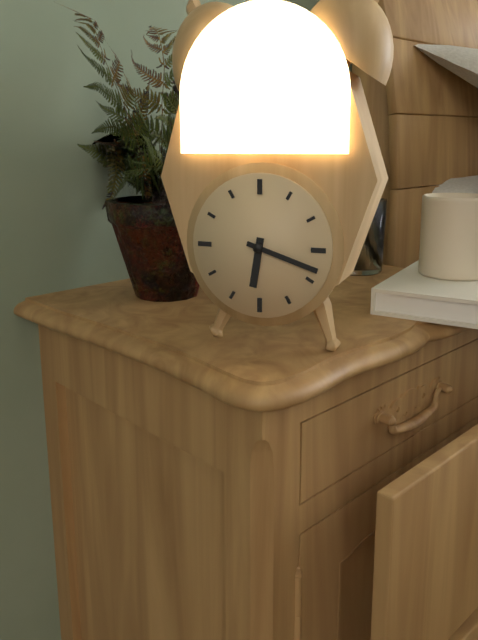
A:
h=6 m=18
